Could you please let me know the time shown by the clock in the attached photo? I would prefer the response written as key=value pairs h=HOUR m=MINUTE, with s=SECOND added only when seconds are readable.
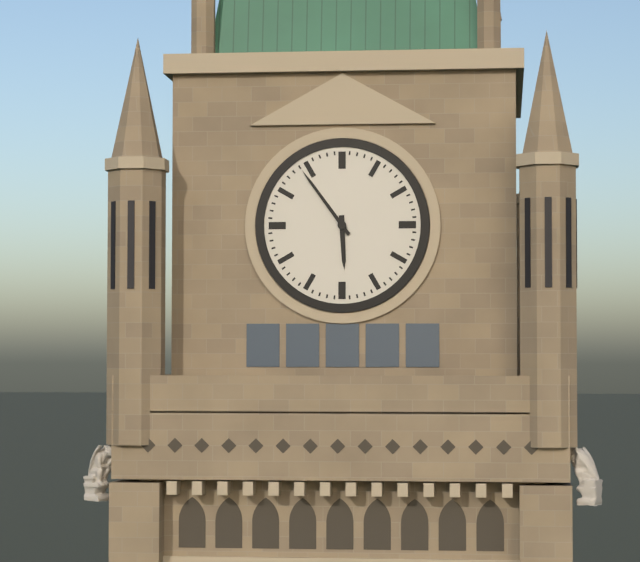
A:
h=5 m=54
